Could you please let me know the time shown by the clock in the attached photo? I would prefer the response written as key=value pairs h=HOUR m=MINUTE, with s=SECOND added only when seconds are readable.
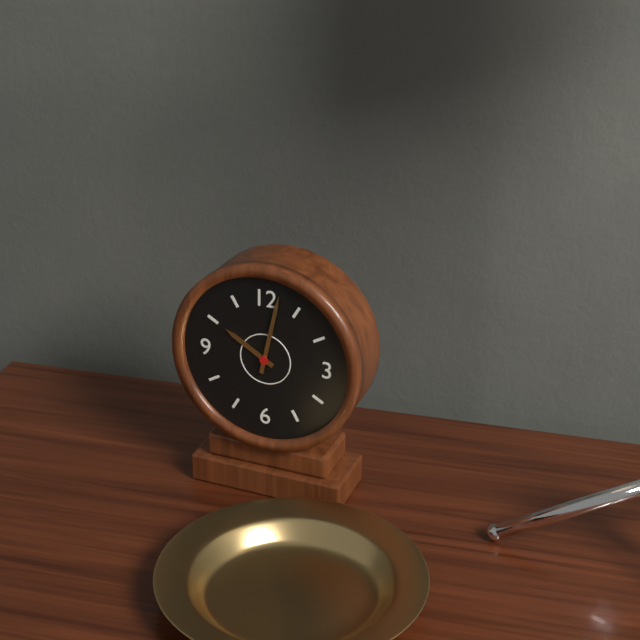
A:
h=10 m=2
